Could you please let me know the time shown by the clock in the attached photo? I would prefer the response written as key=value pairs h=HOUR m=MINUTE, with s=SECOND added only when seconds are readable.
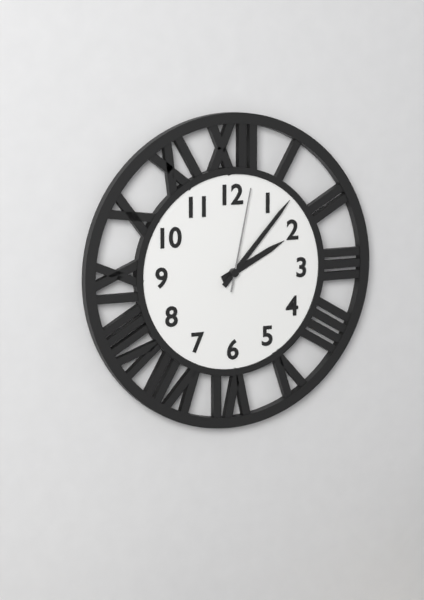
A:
h=2 m=7 s=2
